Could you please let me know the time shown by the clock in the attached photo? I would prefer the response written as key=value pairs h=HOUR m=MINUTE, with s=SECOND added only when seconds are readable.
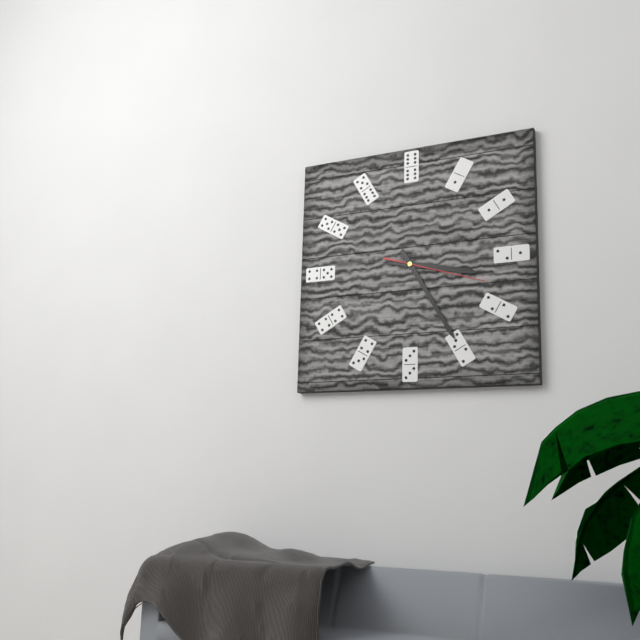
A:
h=3 m=25 s=18
